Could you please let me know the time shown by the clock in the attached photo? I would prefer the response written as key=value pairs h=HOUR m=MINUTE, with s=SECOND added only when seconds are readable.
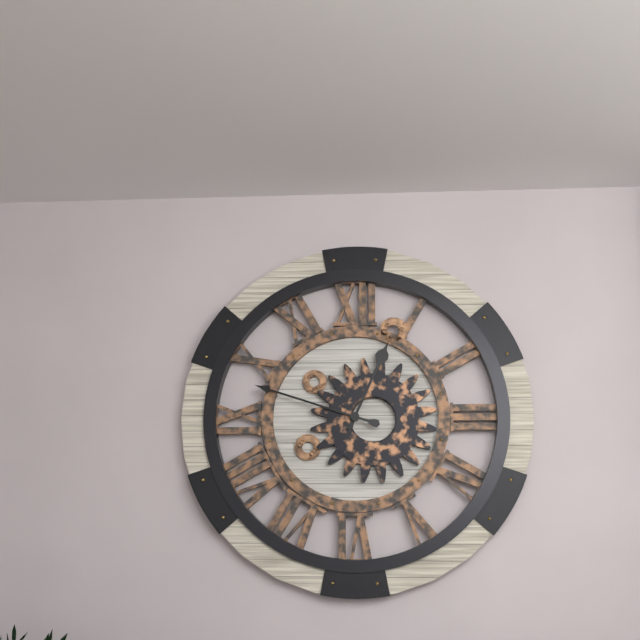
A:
h=12 m=48
